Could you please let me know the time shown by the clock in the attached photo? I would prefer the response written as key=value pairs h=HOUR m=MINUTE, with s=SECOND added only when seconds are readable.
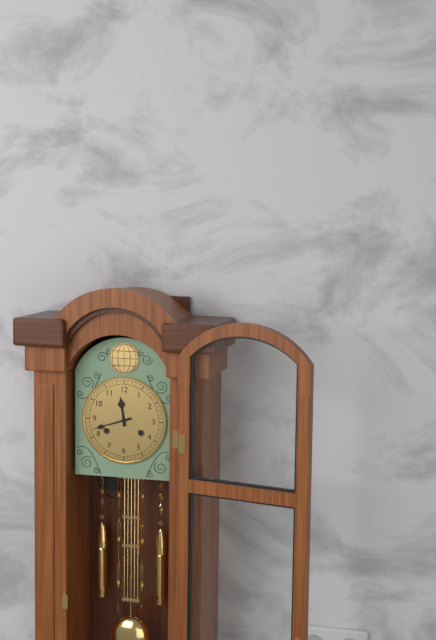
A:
h=11 m=42
